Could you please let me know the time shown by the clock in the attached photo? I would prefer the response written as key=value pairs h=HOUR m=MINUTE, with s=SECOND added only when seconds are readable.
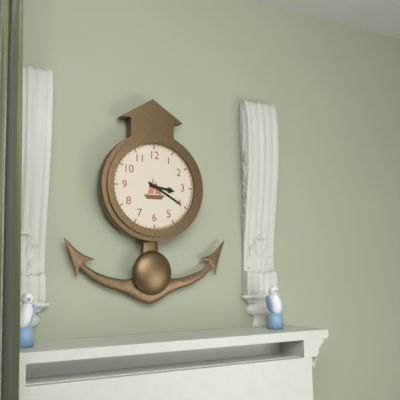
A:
h=3 m=20
